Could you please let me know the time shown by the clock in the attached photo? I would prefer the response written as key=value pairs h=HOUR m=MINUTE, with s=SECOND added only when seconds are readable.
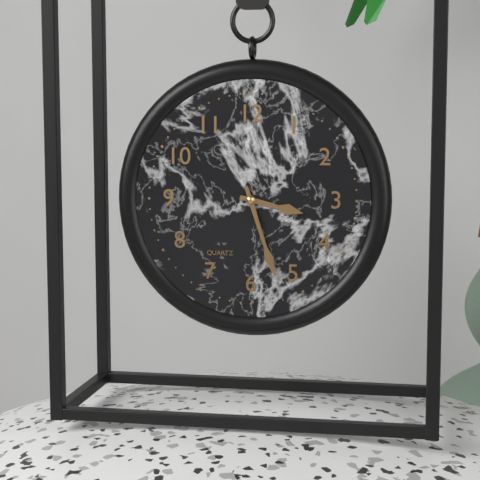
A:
h=3 m=27
